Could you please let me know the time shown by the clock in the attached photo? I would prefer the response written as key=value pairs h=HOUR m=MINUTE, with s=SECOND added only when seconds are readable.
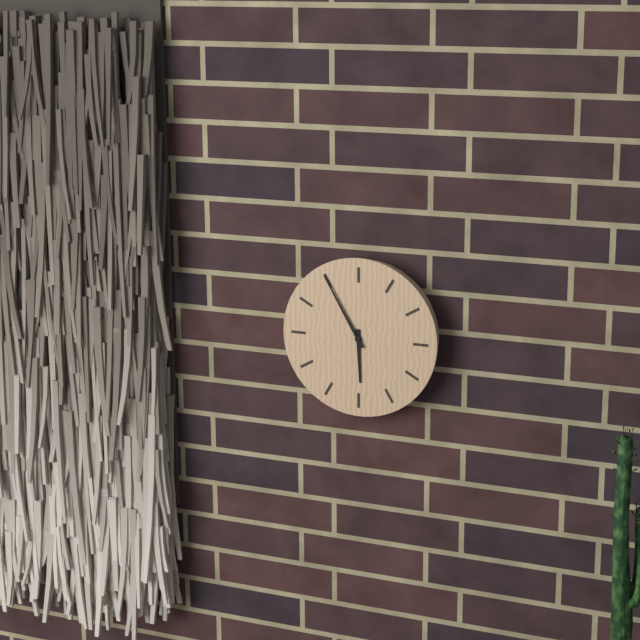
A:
h=5 m=55
